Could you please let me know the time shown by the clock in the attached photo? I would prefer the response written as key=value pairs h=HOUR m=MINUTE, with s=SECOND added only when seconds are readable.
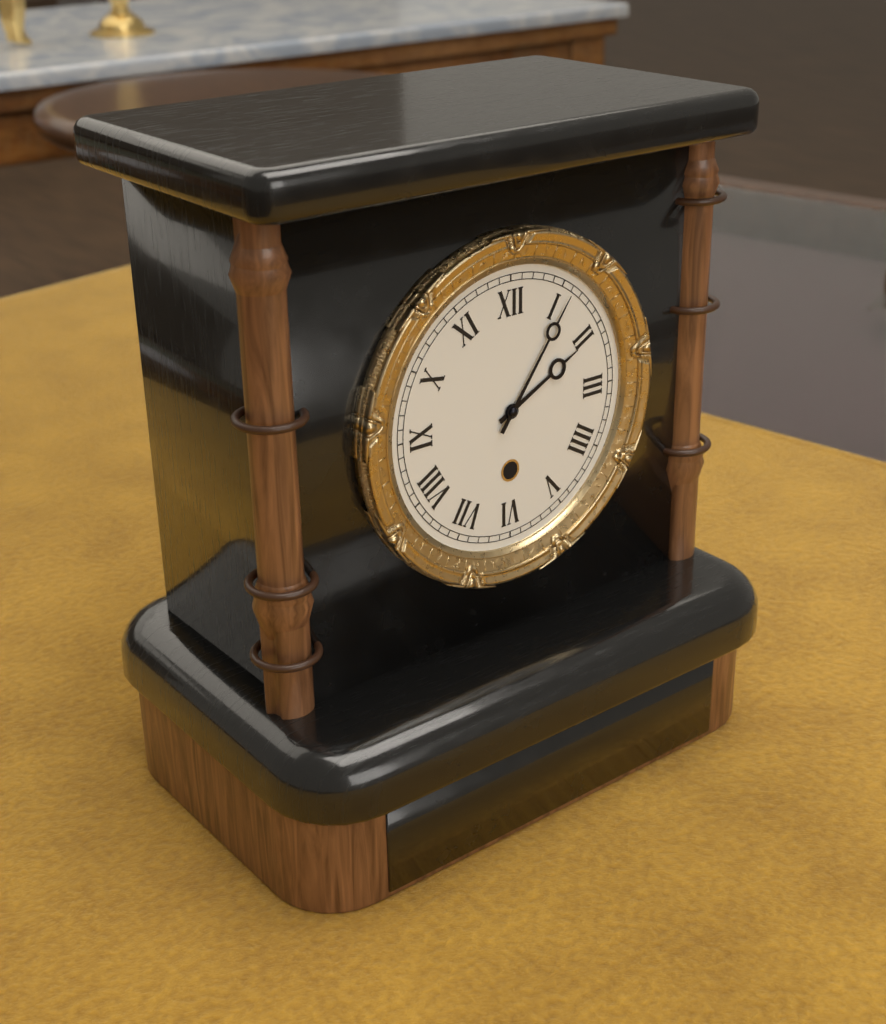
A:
h=2 m=6
